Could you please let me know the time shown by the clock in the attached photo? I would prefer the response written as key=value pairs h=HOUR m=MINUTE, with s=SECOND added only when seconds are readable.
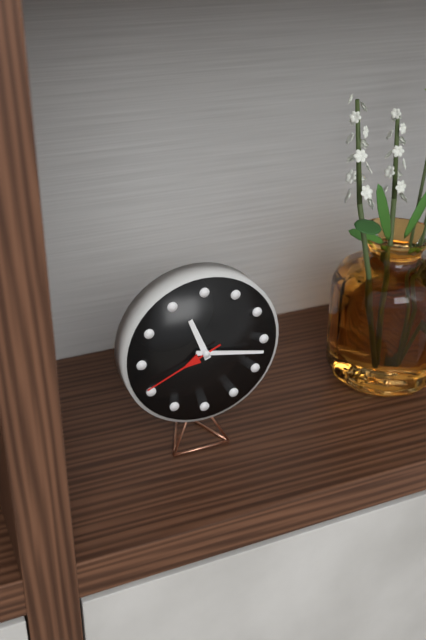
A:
h=11 m=17 s=41
